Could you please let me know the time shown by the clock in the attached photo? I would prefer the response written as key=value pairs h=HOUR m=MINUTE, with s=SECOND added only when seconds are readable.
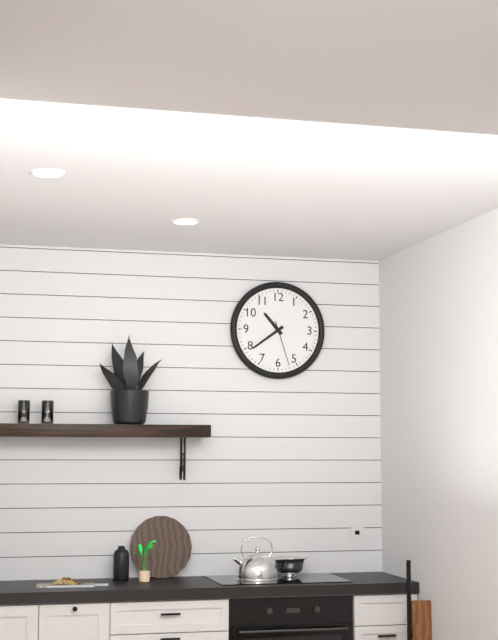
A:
h=10 m=39
